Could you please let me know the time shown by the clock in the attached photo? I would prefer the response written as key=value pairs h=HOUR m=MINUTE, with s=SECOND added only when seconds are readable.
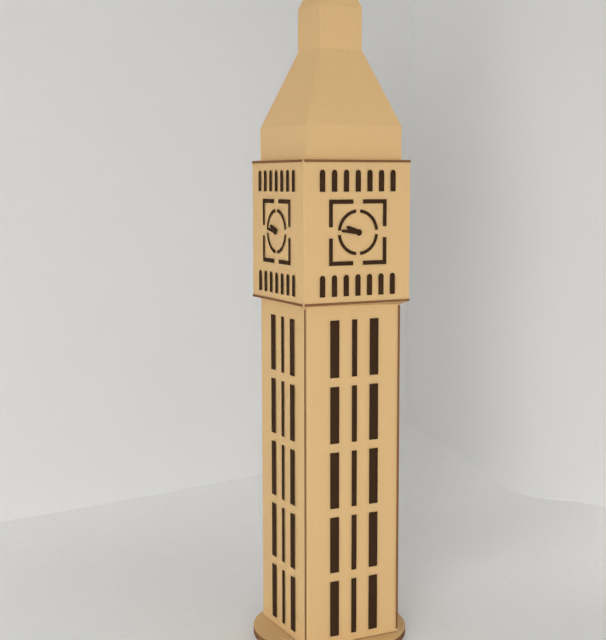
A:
h=9 m=46
